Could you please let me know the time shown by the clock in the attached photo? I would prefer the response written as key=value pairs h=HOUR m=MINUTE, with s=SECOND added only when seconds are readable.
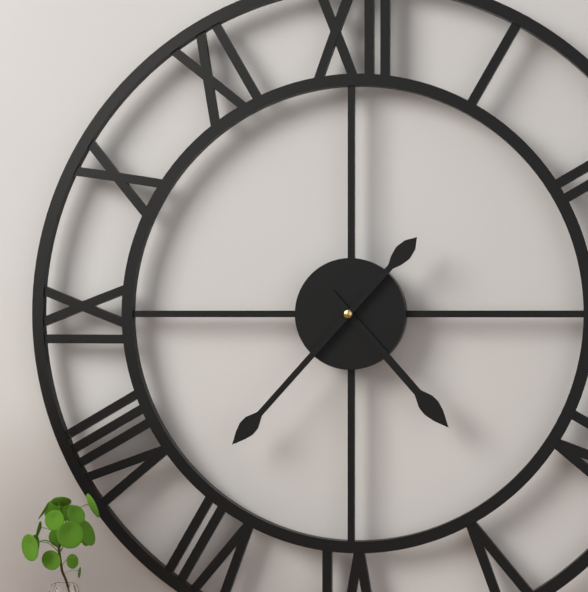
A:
h=4 m=37
